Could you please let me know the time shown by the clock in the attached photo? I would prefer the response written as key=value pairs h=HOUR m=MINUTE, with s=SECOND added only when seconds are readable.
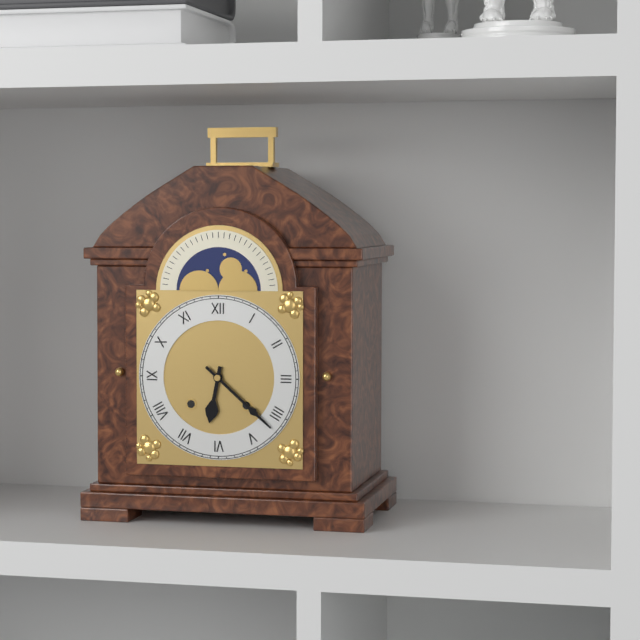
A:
h=6 m=22
